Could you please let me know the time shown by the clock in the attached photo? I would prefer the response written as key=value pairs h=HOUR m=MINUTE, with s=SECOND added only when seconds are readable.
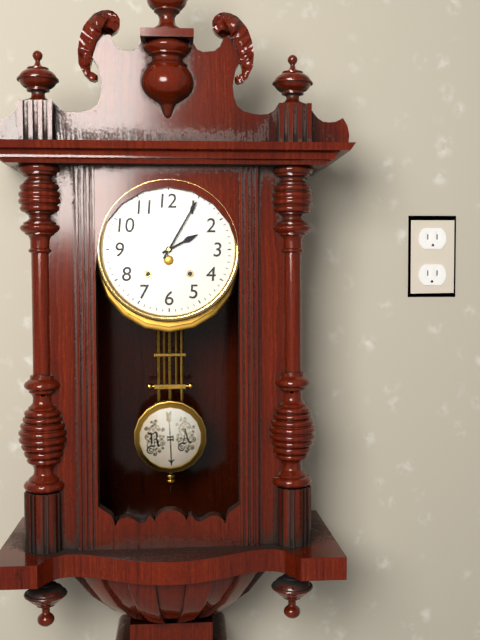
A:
h=2 m=5
